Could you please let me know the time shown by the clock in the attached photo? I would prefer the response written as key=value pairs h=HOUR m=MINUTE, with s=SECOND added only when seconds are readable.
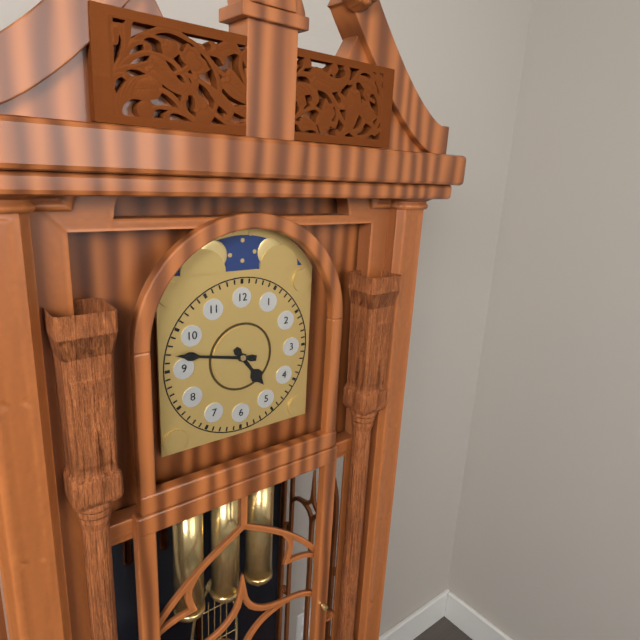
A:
h=4 m=47
